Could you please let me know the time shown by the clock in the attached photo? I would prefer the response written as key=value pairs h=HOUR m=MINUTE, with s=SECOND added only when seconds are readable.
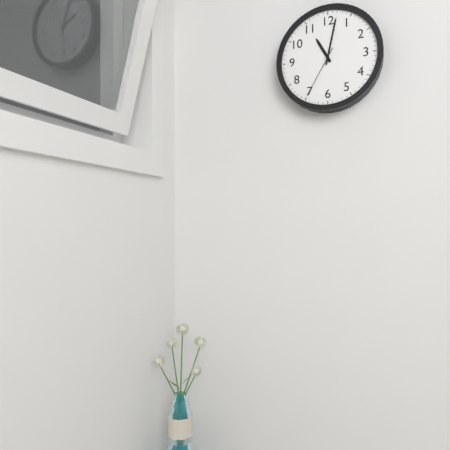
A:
h=11 m=2 s=35
